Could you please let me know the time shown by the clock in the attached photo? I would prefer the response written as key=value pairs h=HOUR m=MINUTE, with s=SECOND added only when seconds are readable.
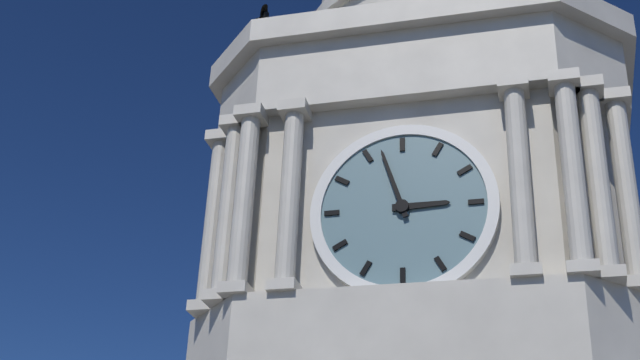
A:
h=2 m=57
